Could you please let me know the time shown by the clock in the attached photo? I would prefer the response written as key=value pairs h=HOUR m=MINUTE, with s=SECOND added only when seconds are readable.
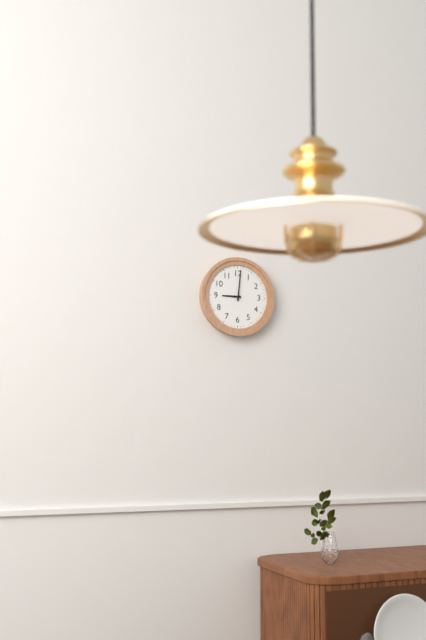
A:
h=9 m=1
